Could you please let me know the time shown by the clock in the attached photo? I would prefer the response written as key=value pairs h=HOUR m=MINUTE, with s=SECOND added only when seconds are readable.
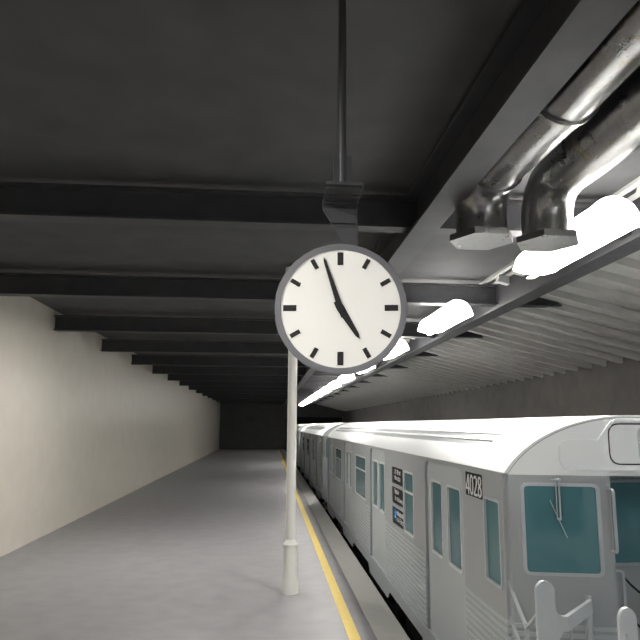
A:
h=4 m=57
